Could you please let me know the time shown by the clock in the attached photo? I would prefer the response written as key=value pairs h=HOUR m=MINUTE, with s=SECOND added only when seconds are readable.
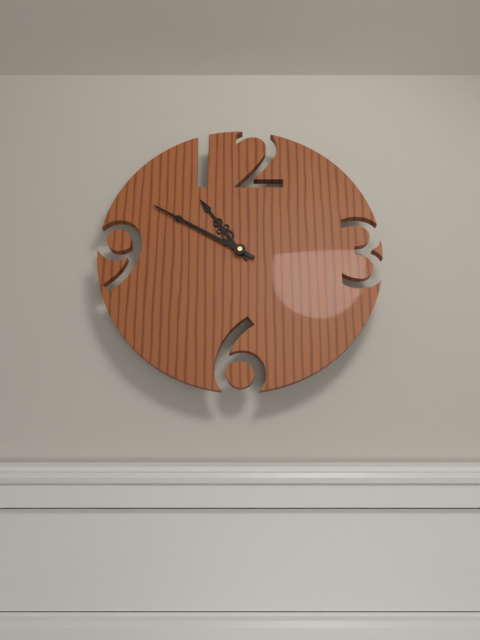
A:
h=10 m=50
